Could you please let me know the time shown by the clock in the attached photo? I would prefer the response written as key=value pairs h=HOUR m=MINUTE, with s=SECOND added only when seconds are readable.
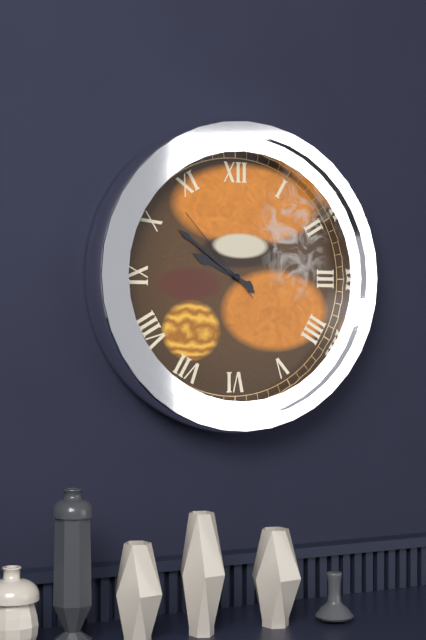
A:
h=9 m=51 s=53
